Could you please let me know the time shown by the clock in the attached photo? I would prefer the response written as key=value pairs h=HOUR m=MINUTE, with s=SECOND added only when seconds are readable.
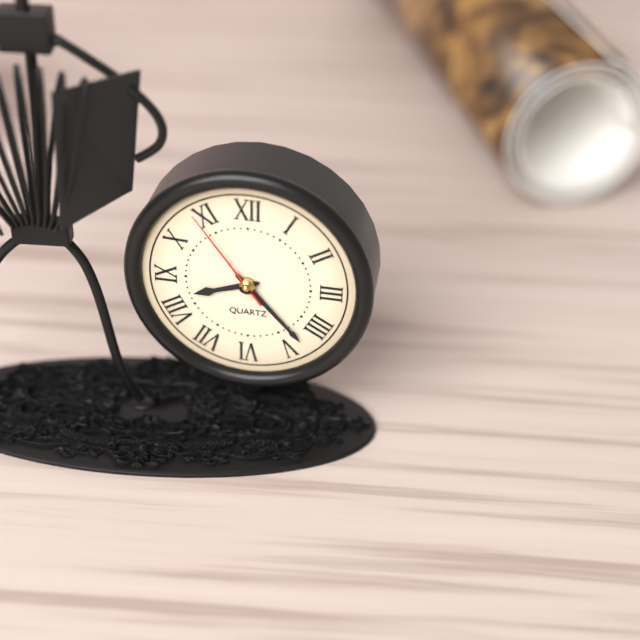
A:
h=8 m=23 s=54
